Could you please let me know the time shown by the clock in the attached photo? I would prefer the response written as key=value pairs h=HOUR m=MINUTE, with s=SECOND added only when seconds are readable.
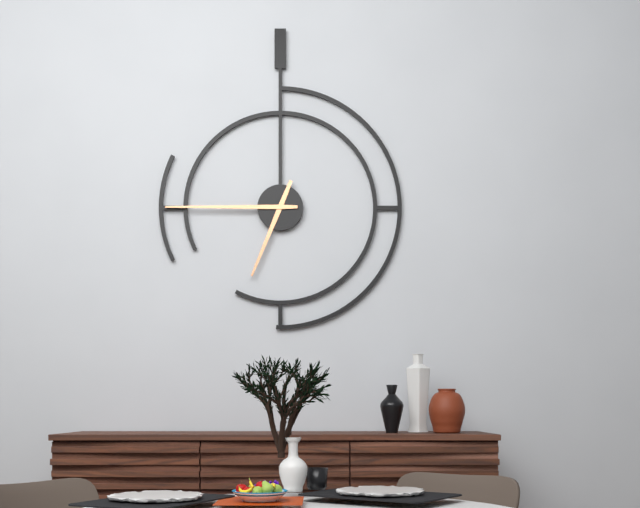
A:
h=6 m=45
